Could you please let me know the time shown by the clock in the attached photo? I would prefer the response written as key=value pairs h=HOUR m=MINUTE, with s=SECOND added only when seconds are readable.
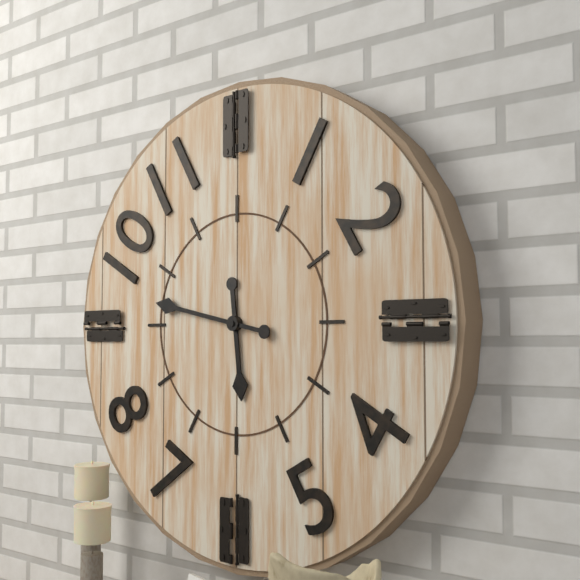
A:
h=5 m=47
